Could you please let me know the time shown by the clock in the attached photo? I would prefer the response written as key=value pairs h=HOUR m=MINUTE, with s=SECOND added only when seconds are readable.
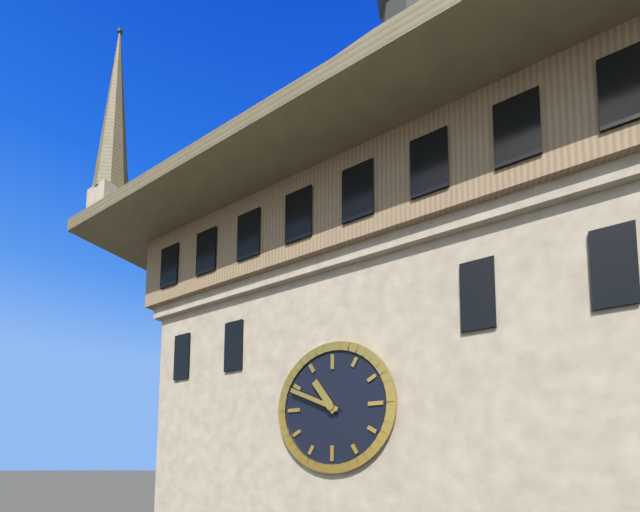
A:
h=10 m=49
